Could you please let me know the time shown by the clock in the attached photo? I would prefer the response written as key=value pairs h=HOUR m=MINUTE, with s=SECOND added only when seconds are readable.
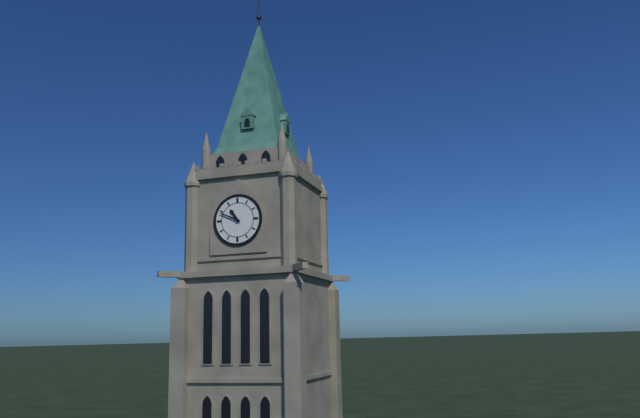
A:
h=10 m=49
